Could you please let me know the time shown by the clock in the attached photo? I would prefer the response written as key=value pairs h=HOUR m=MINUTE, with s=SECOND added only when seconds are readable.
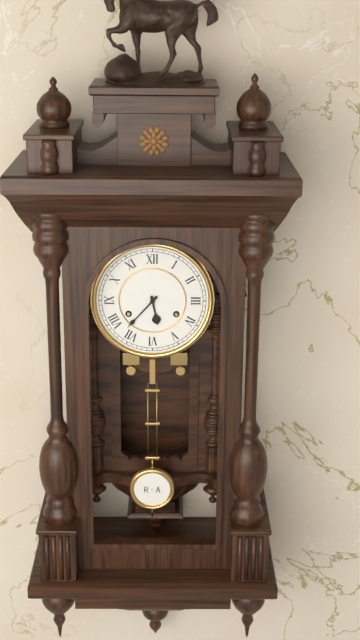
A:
h=5 m=37
